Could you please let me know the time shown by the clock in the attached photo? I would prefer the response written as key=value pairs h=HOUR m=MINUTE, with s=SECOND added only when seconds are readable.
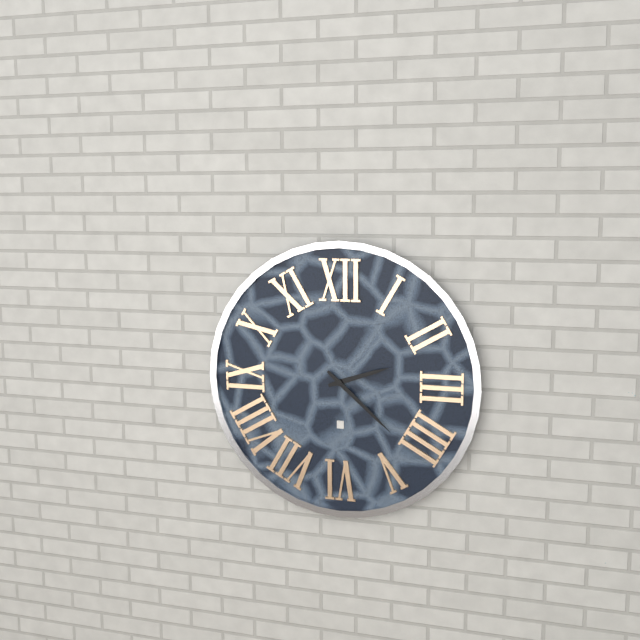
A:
h=2 m=22
